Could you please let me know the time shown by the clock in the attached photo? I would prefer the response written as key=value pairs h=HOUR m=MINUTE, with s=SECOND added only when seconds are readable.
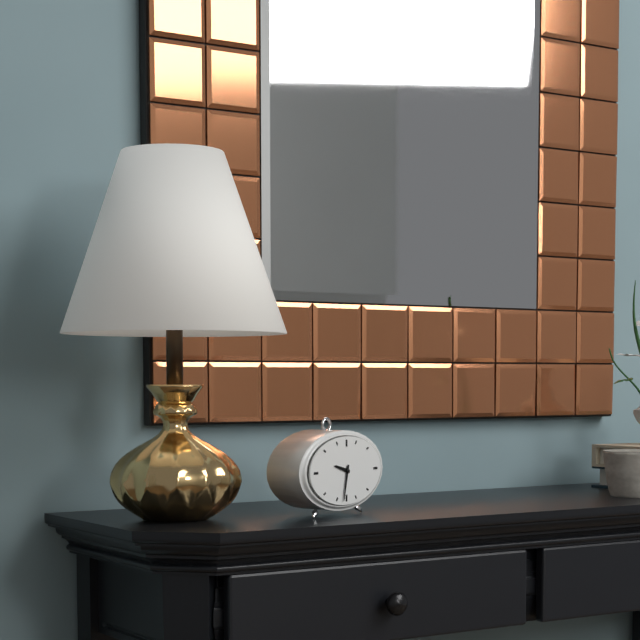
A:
h=9 m=32
